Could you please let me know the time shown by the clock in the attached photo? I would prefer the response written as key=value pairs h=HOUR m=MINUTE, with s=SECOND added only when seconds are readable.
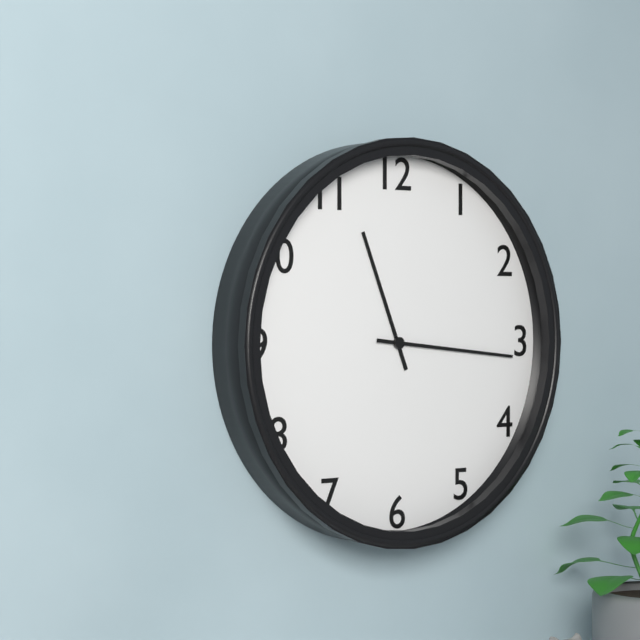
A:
h=11 m=16
